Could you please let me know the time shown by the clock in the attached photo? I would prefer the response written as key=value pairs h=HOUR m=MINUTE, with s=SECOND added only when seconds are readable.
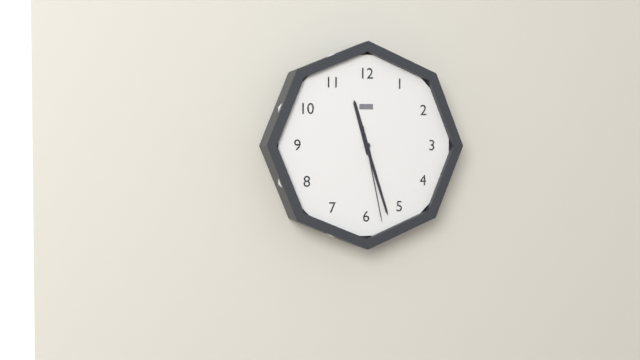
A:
h=11 m=27 s=28
